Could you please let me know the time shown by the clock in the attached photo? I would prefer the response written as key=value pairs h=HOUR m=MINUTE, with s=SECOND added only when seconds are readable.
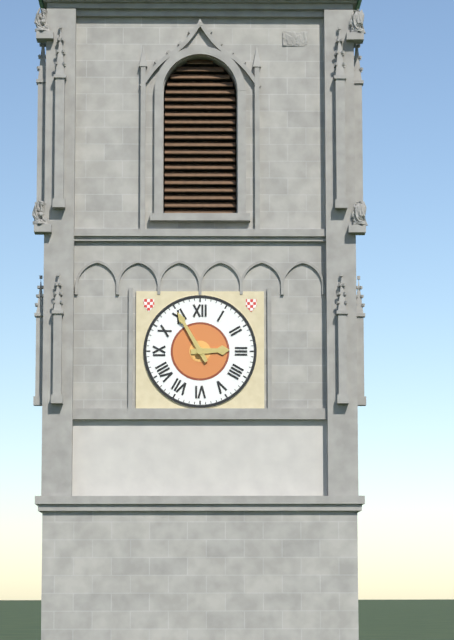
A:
h=2 m=55
